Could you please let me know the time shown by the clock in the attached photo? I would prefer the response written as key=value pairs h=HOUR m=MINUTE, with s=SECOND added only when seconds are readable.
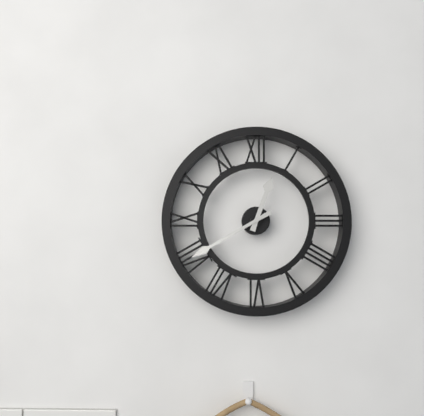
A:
h=12 m=40
